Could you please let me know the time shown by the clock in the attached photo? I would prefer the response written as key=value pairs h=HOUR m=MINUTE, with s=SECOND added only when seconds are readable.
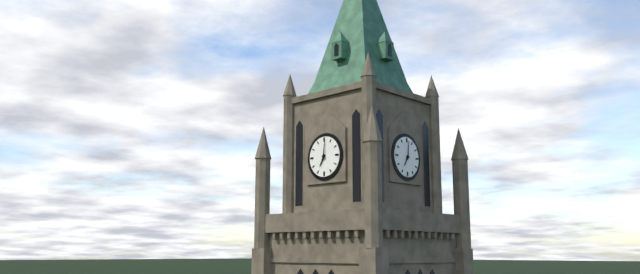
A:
h=7 m=1
